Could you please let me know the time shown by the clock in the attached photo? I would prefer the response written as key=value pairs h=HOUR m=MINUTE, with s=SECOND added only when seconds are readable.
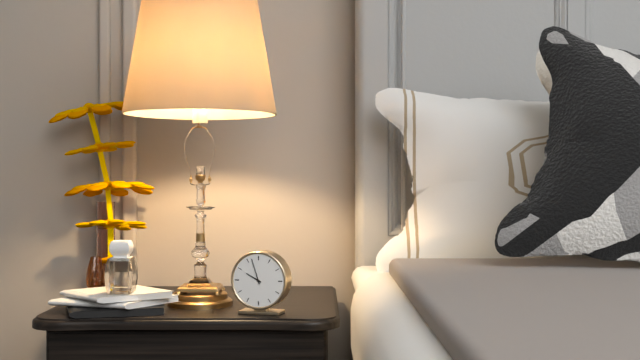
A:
h=9 m=57
